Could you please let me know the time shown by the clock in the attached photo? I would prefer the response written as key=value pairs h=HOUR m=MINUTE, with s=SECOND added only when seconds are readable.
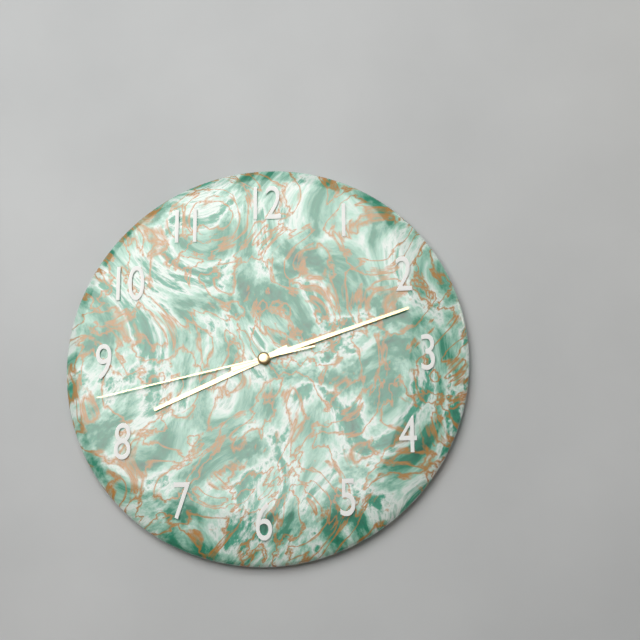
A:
h=8 m=12 s=43
